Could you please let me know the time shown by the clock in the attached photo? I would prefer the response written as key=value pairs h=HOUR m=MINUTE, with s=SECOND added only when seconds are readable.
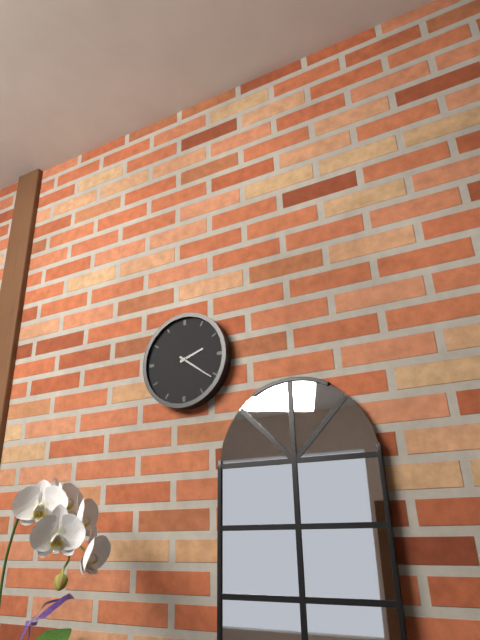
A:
h=2 m=21
